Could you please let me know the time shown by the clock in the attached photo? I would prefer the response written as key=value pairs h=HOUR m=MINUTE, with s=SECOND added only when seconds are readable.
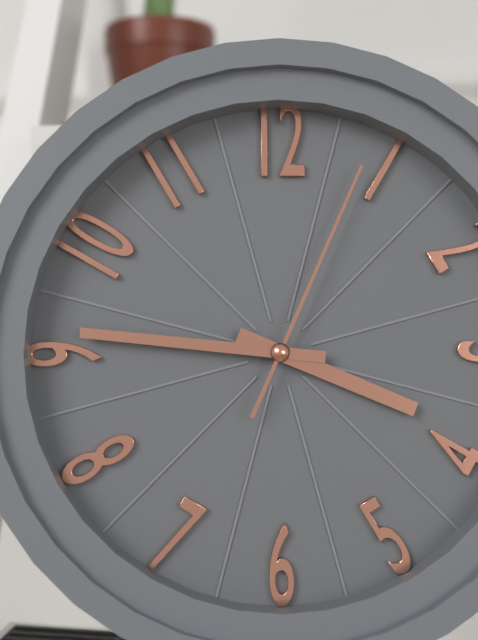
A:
h=3 m=46 s=4
